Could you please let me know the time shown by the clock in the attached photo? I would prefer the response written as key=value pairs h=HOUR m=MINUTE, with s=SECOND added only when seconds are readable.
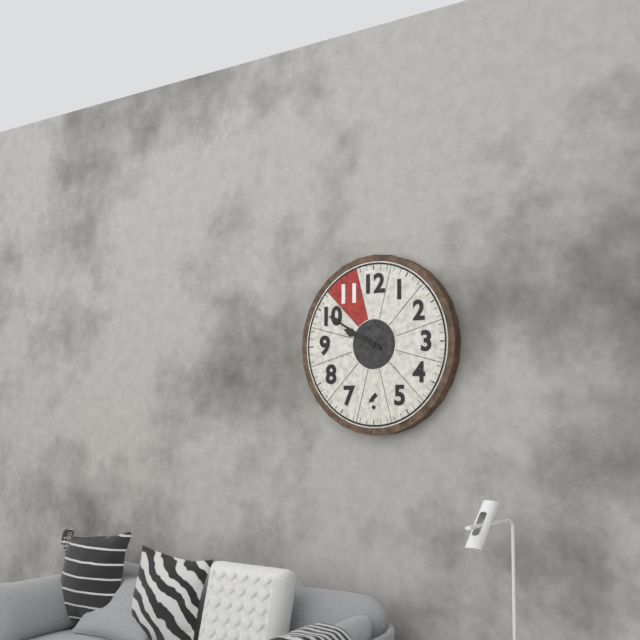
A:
h=9 m=50
